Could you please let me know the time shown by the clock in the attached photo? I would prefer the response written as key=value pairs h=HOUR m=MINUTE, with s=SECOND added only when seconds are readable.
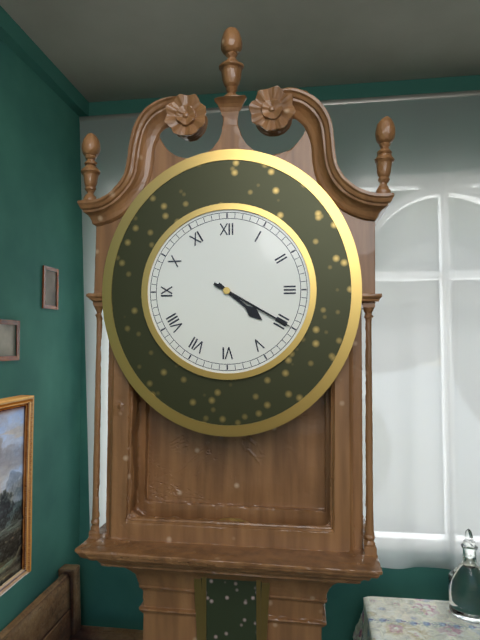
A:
h=4 m=20
